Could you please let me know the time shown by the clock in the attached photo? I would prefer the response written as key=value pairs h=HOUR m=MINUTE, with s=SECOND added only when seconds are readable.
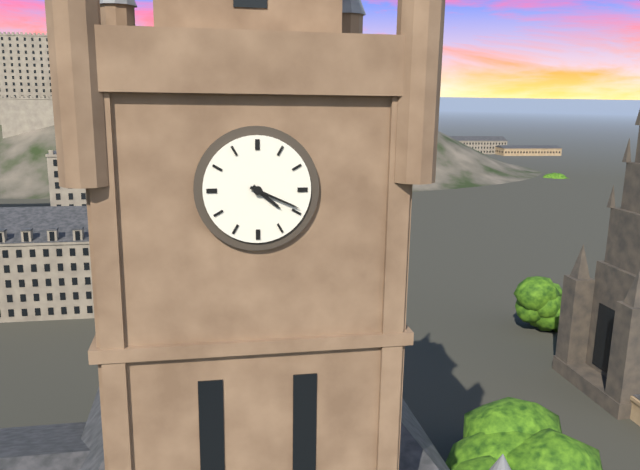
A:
h=4 m=19
